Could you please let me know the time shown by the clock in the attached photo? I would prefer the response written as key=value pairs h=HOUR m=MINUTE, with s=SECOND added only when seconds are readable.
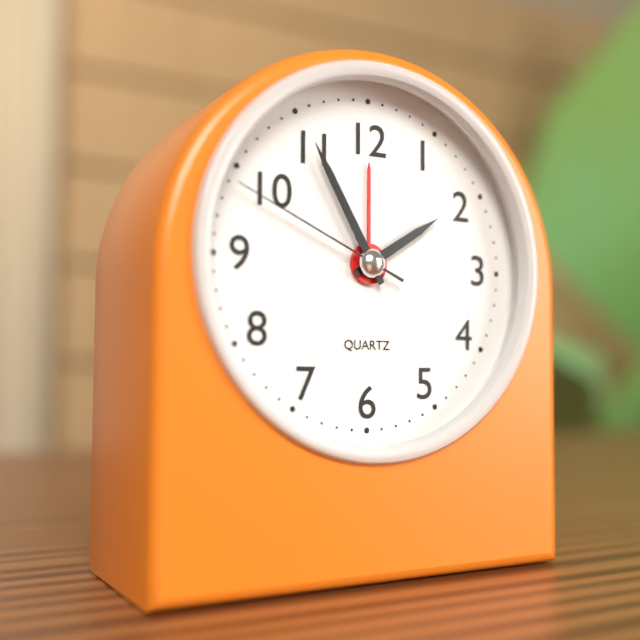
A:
h=1 m=55 s=49
